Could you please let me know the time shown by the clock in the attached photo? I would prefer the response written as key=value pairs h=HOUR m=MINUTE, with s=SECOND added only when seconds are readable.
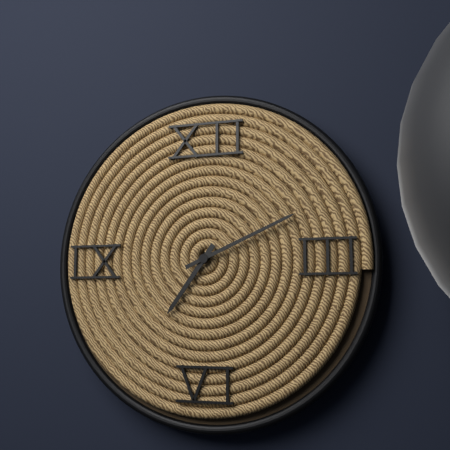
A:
h=7 m=11
